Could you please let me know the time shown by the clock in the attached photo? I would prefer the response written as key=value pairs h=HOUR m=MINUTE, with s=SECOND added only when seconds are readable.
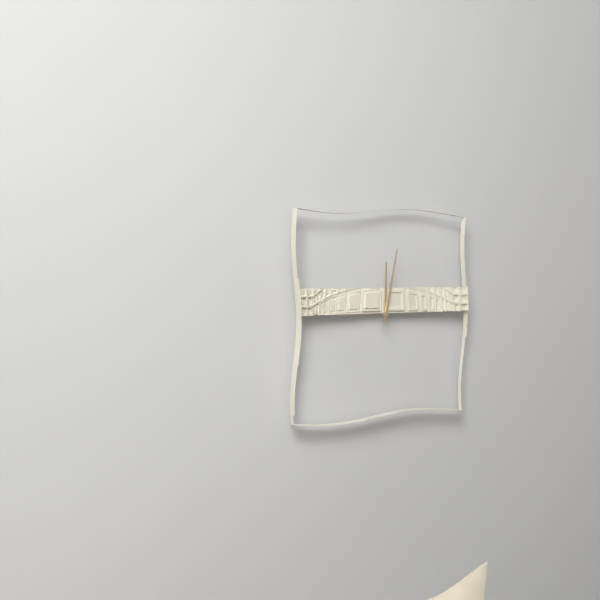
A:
h=12 m=2
